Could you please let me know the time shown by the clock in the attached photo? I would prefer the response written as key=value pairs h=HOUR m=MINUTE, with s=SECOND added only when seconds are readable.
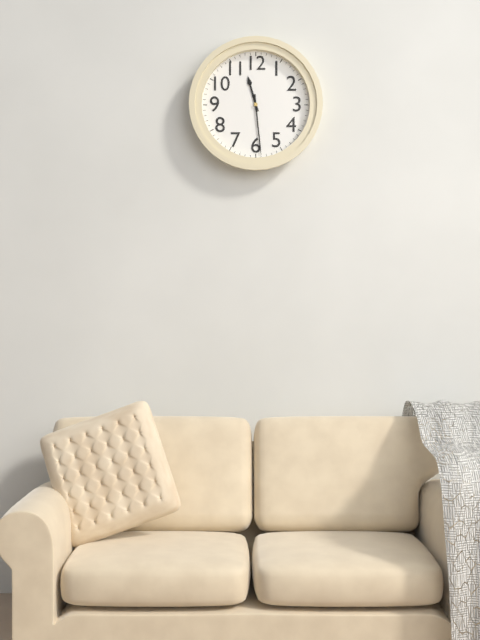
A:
h=11 m=29
